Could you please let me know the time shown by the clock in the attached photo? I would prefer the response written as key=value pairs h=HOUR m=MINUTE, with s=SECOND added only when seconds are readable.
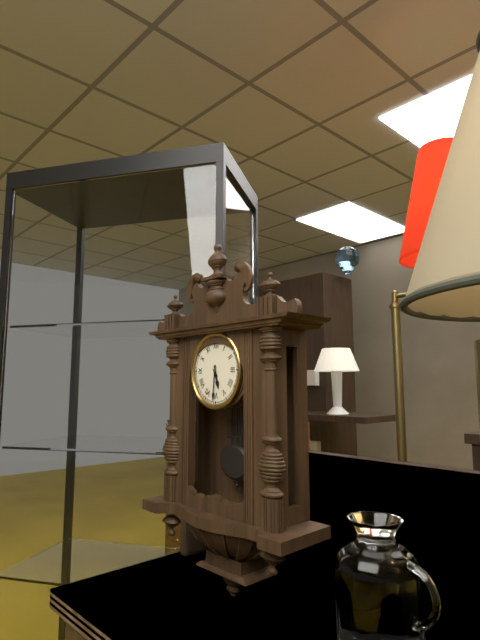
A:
h=5 m=31
